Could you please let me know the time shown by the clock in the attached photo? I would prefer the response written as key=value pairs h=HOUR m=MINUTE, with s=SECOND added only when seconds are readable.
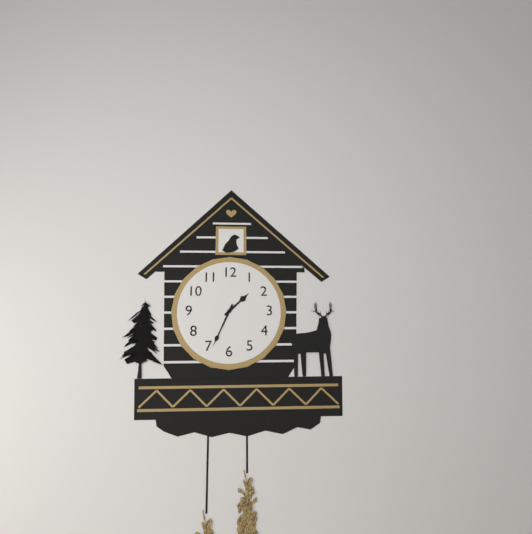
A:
h=1 m=34
